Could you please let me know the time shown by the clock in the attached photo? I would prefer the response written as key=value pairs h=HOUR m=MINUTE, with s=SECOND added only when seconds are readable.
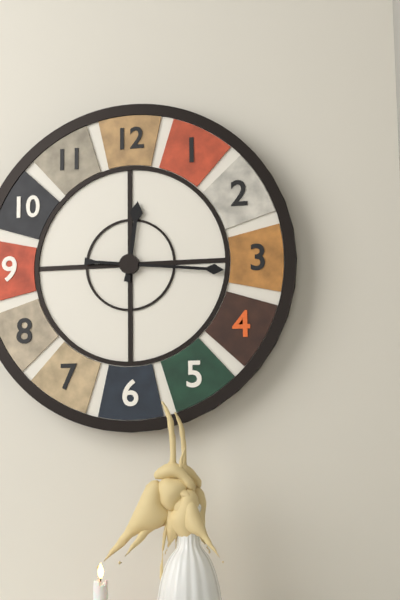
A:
h=12 m=16
